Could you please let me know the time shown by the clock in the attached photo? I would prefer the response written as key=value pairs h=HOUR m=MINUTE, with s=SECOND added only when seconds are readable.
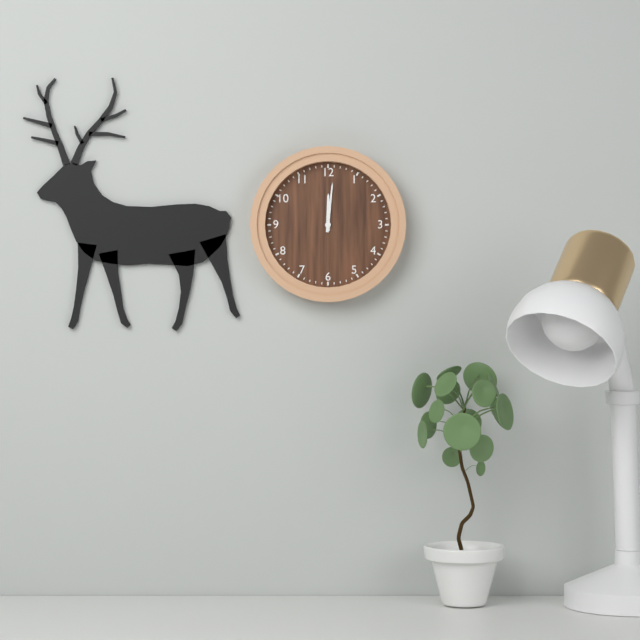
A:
h=12 m=1
